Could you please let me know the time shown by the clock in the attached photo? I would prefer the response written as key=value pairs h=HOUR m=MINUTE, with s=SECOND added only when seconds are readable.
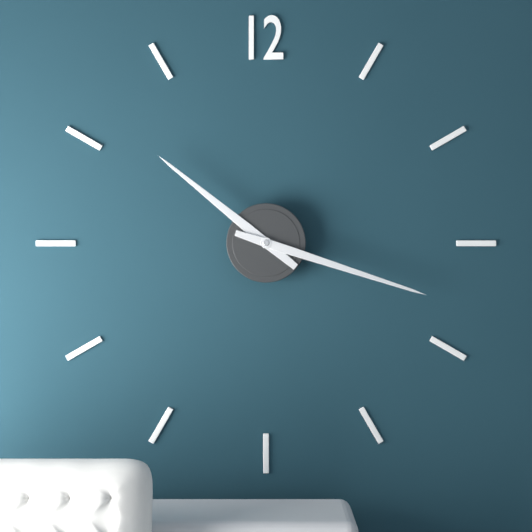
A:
h=10 m=18
